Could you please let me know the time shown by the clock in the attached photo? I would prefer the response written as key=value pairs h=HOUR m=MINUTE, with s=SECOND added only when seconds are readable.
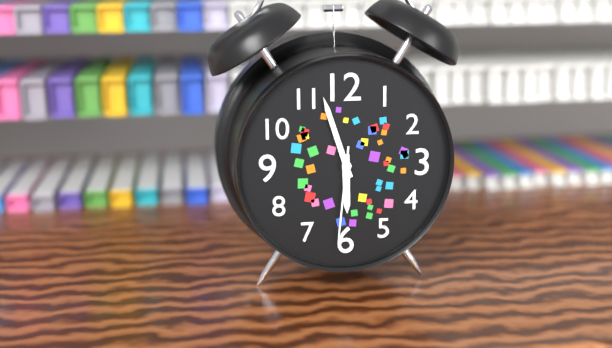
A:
h=5 m=57 s=31
